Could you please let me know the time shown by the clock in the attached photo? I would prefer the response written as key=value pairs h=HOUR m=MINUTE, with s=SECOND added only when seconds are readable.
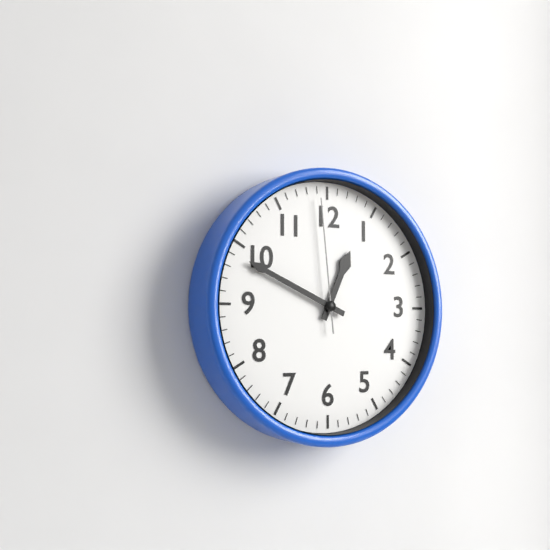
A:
h=12 m=49 s=59
